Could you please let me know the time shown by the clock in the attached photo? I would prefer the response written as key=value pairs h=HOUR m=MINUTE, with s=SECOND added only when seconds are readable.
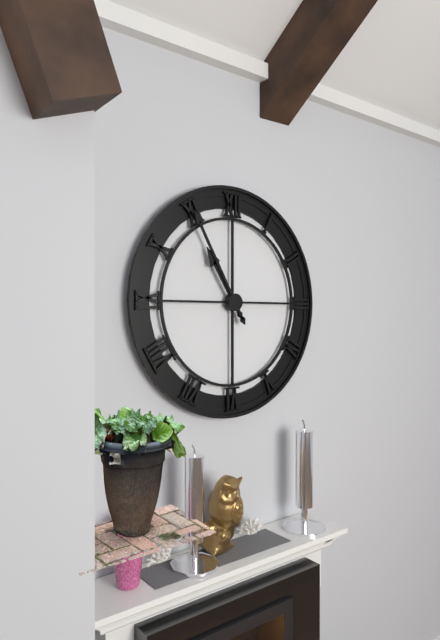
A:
h=10 m=55
